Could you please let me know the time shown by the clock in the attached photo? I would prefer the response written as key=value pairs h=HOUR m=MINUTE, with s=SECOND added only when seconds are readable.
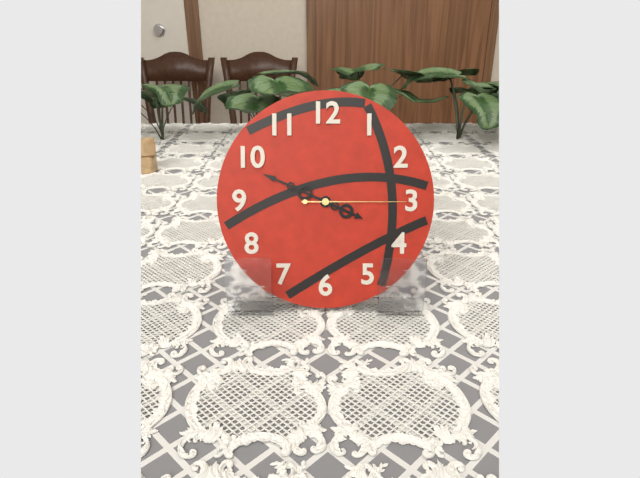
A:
h=3 m=49 s=15
